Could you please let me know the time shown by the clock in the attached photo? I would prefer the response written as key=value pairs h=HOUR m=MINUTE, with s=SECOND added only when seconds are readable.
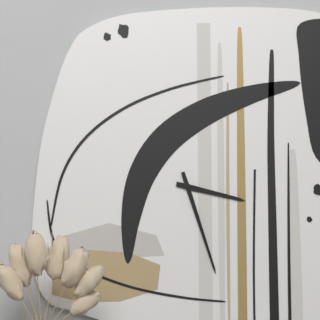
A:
h=3 m=27
